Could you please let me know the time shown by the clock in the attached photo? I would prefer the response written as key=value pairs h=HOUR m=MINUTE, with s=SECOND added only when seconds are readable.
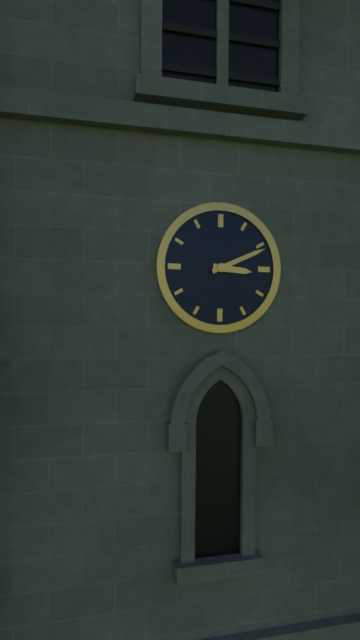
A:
h=3 m=11
